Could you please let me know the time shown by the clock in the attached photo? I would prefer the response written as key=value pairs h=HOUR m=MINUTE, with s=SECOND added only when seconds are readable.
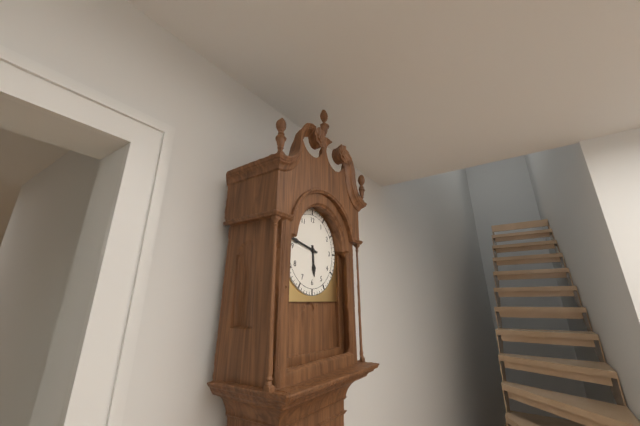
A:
h=5 m=47
